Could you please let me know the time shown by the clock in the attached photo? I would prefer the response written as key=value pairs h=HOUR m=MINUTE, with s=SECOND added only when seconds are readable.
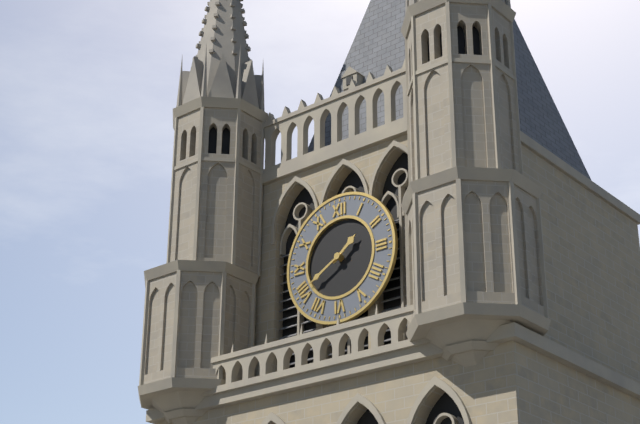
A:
h=1 m=40
